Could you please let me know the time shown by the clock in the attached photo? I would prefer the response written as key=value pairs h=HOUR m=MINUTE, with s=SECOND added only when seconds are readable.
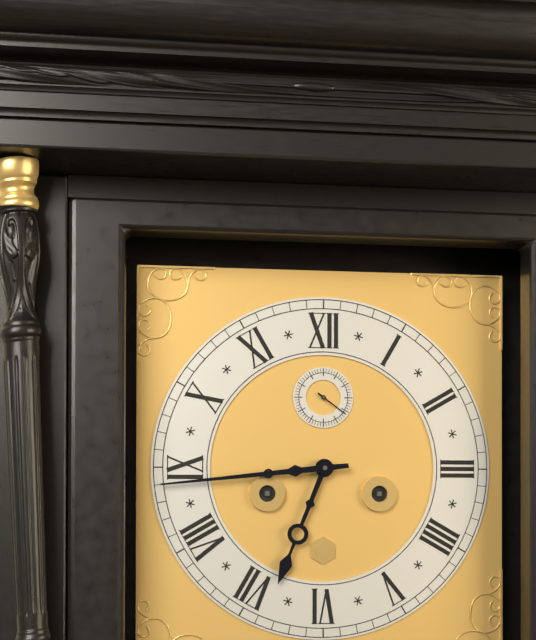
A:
h=6 m=44
